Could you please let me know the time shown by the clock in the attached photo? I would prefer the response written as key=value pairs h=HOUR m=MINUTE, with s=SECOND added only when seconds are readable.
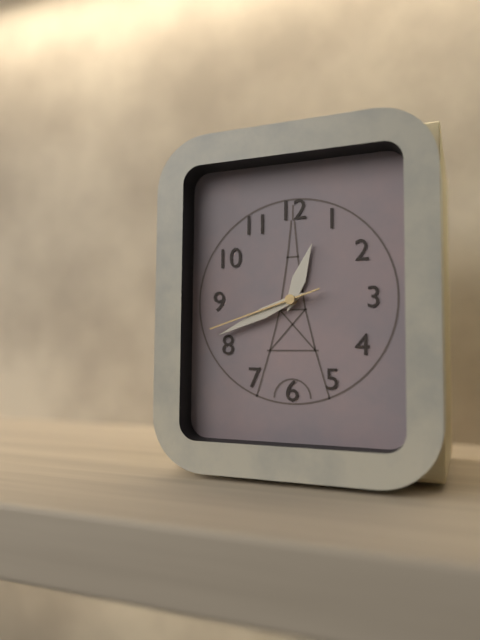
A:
h=12 m=41 s=42
